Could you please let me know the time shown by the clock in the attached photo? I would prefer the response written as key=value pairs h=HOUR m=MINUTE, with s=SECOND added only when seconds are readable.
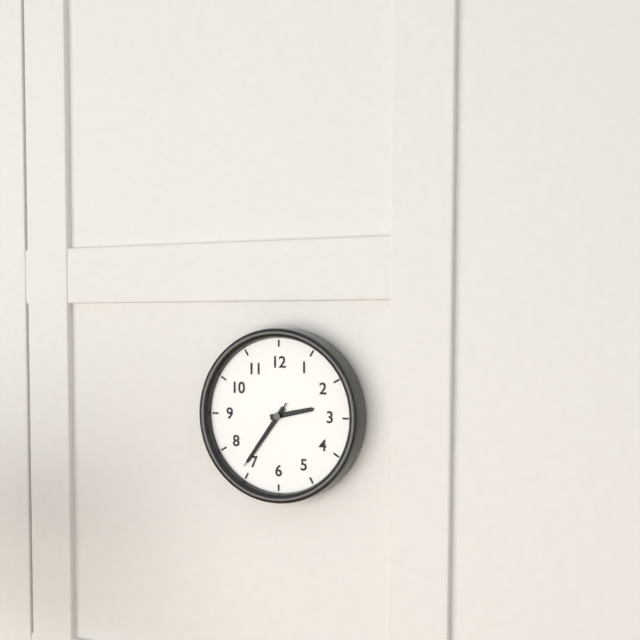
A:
h=2 m=36 s=36
